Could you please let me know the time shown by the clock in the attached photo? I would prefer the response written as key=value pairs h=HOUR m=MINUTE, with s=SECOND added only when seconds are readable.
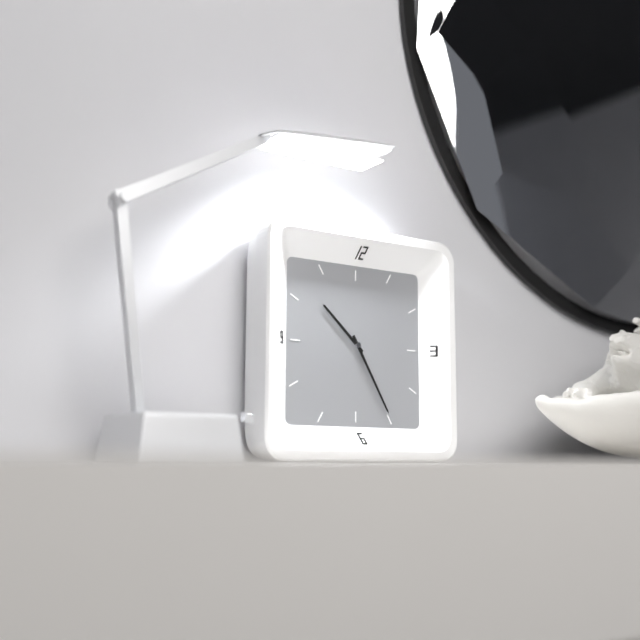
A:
h=10 m=25
